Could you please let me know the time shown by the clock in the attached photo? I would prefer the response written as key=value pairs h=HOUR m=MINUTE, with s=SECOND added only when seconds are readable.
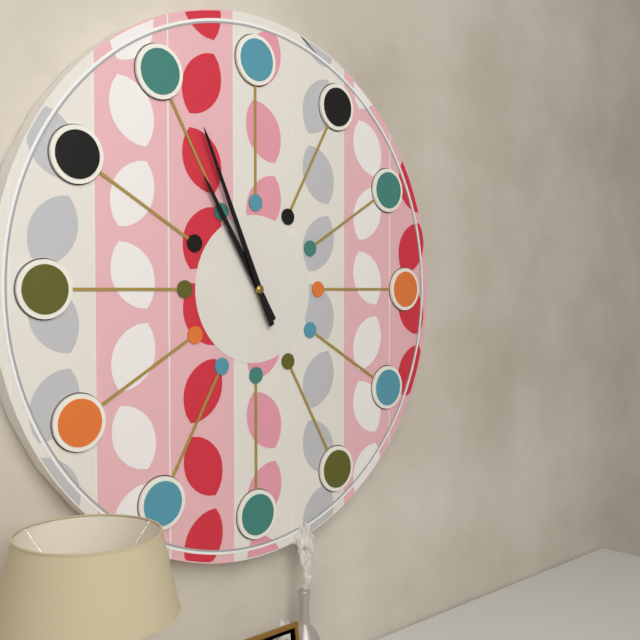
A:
h=10 m=56
